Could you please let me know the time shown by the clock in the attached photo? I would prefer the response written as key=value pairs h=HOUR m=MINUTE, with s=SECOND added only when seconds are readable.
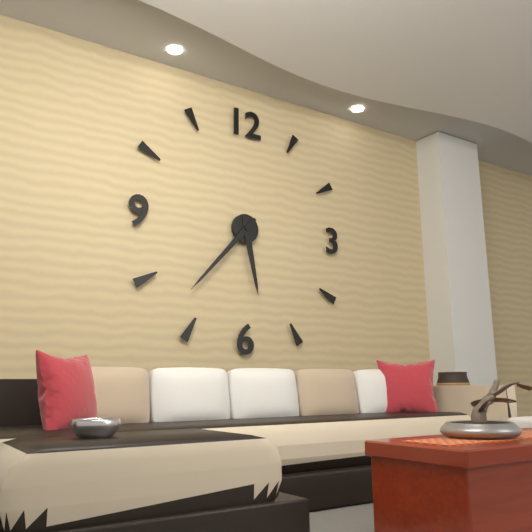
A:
h=5 m=37
